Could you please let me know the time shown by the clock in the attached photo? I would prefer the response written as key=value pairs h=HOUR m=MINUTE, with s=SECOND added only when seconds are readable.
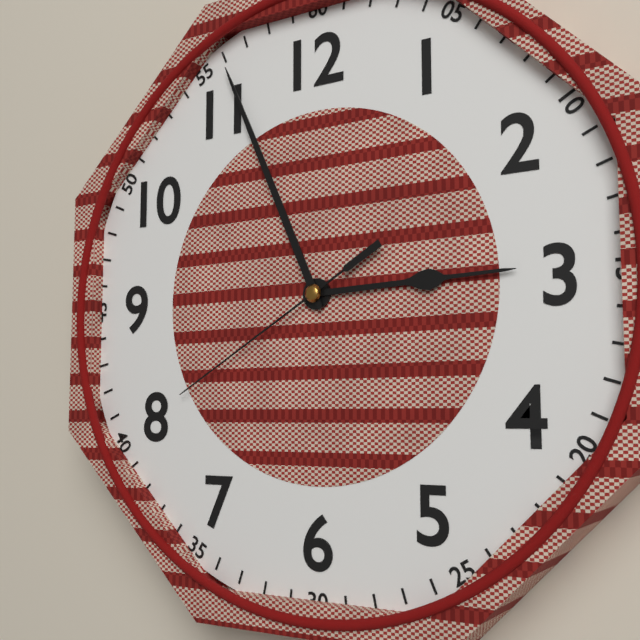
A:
h=2 m=56 s=40
